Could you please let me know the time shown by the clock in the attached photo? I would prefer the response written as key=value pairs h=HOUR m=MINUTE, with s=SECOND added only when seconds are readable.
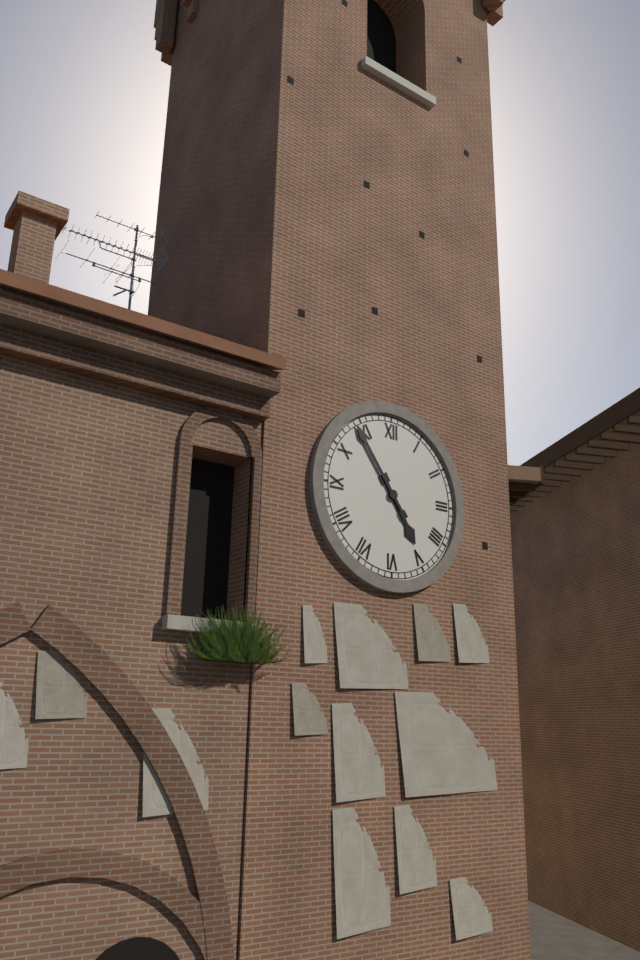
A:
h=4 m=54
